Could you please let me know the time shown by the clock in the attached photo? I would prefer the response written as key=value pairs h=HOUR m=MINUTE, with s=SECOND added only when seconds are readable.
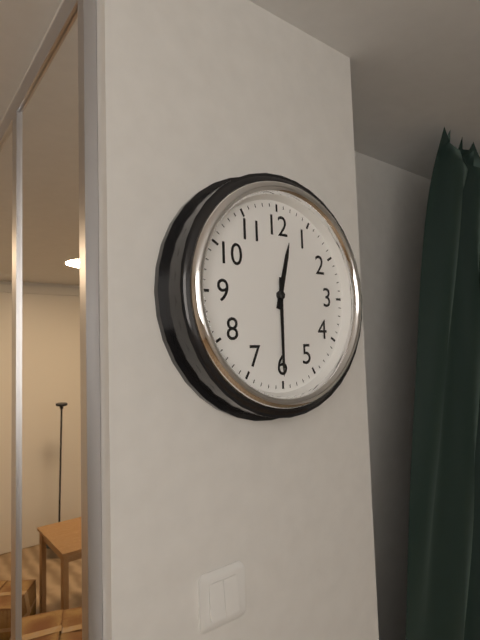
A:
h=12 m=30
